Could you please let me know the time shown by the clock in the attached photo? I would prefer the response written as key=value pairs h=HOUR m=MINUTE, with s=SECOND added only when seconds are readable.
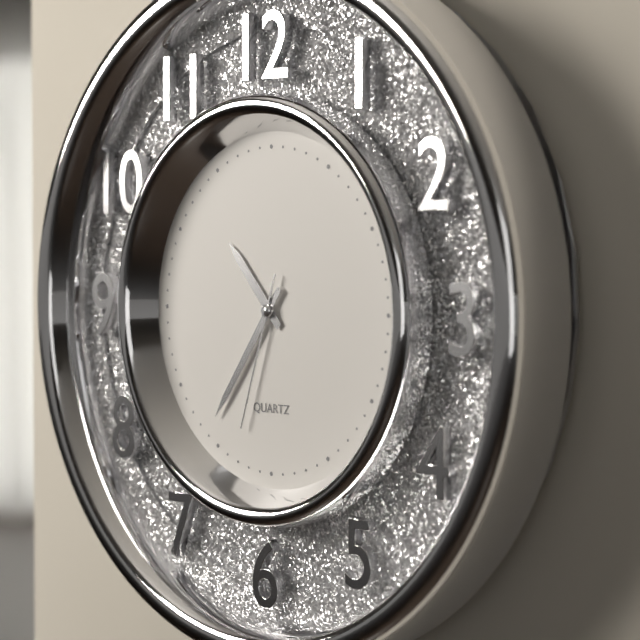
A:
h=10 m=36 s=33
